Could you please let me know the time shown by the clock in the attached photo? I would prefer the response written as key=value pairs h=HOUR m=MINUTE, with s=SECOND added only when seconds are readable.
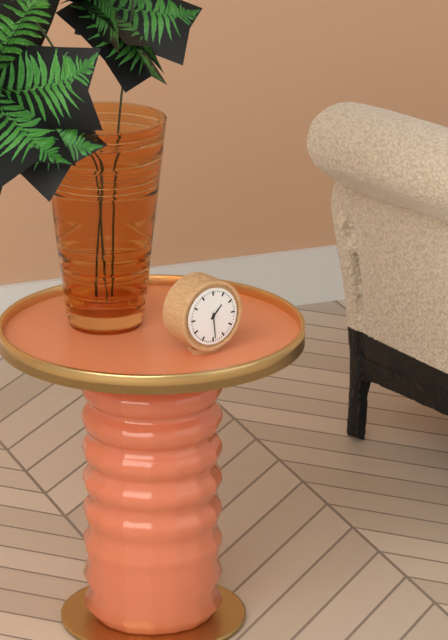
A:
h=1 m=29
